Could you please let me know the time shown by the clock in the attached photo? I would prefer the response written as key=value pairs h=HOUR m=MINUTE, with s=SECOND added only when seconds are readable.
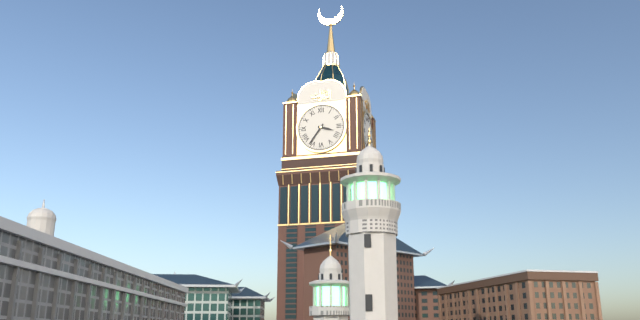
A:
h=3 m=36
